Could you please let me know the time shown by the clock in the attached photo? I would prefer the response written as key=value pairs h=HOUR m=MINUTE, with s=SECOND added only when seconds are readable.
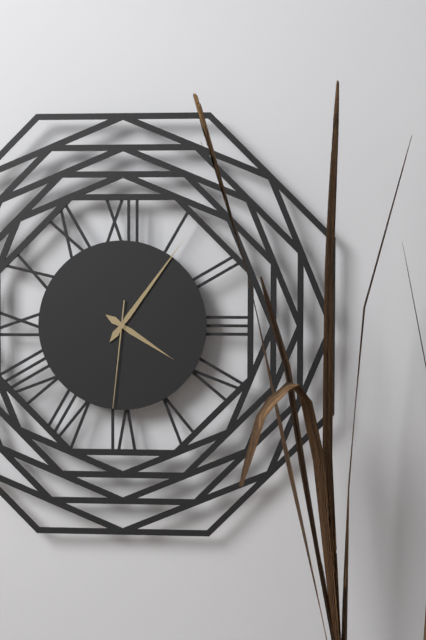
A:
h=4 m=6 s=31
